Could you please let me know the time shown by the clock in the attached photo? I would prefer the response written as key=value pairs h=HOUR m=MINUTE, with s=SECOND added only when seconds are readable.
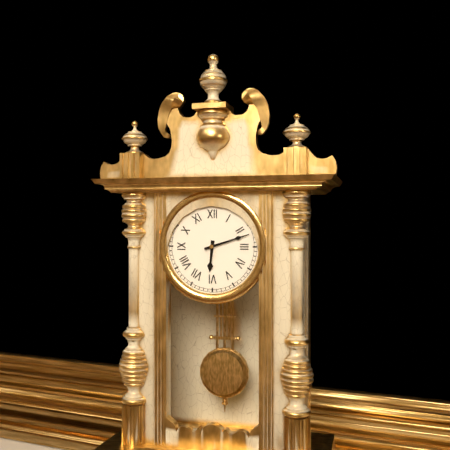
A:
h=6 m=12
